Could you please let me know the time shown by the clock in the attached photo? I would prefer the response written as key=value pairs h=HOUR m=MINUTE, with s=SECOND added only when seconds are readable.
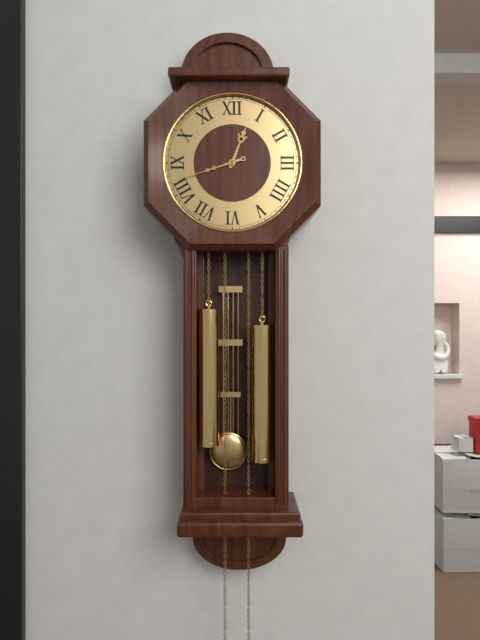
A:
h=12 m=42
